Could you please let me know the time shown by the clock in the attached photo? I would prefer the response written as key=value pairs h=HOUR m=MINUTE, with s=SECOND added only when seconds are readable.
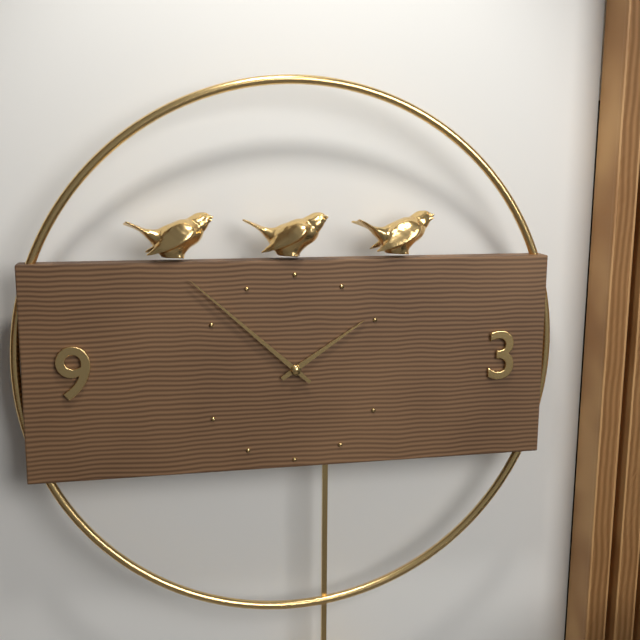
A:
h=1 m=52
